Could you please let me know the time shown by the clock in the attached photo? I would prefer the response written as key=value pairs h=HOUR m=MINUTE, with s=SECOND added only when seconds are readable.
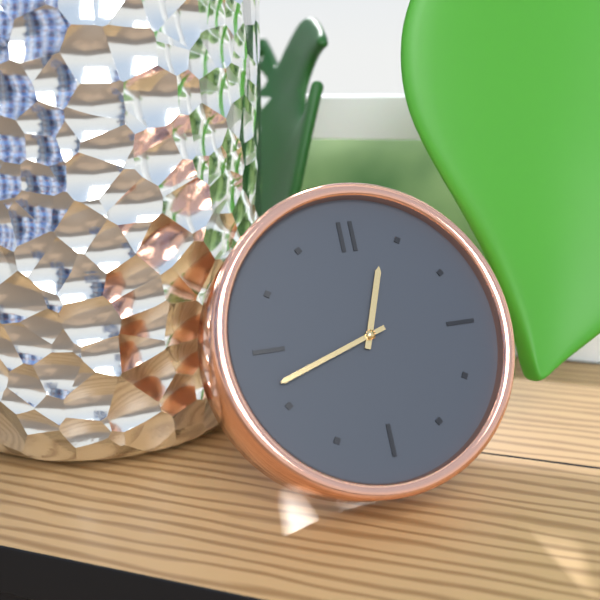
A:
h=12 m=42
